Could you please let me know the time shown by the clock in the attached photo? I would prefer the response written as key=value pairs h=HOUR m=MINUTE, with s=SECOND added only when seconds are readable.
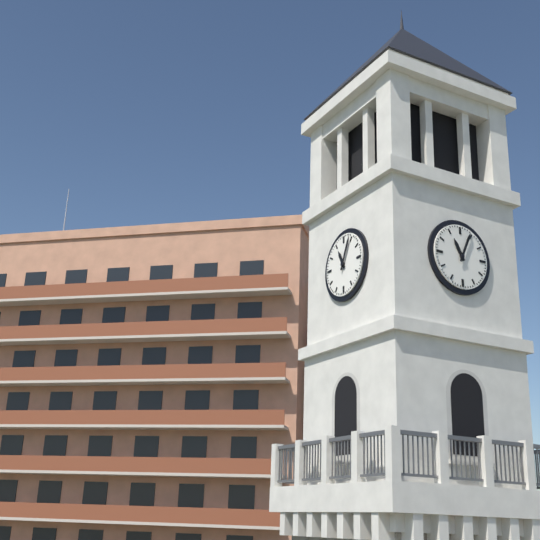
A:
h=11 m=4
